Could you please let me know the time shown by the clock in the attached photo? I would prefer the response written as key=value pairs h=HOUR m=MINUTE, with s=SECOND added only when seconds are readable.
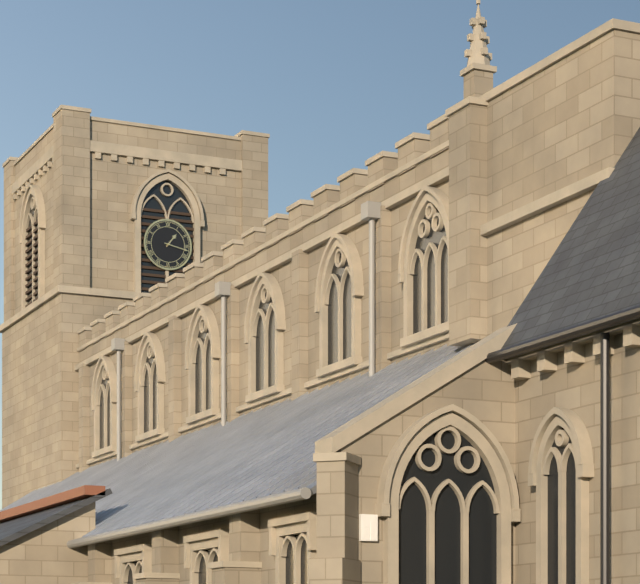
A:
h=1 m=17
